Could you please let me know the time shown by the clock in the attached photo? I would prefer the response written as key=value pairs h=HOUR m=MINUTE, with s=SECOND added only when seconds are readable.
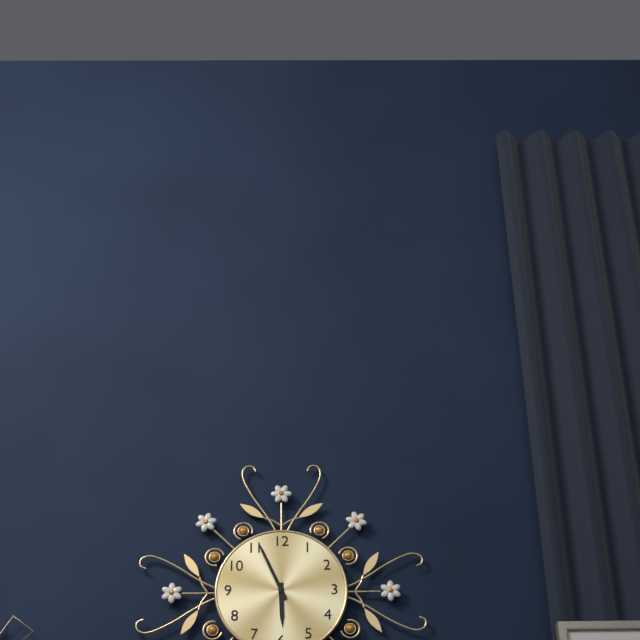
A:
h=5 m=56
